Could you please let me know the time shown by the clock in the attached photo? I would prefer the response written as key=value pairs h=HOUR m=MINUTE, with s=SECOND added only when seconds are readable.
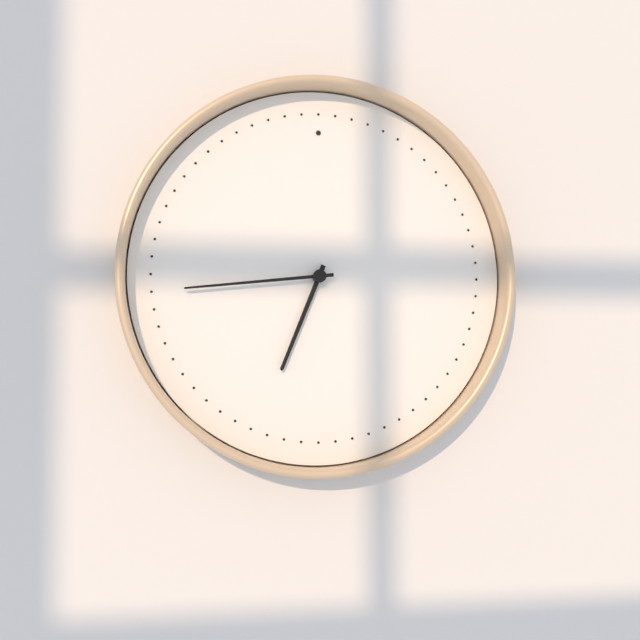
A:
h=6 m=44
